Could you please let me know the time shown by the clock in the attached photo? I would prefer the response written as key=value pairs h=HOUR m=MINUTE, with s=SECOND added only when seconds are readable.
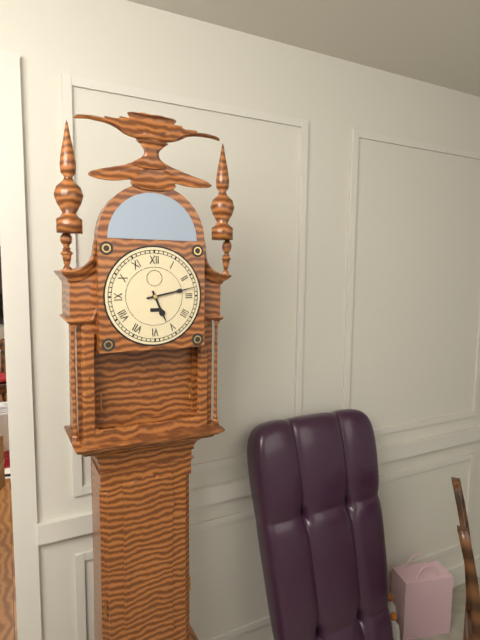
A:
h=5 m=13
